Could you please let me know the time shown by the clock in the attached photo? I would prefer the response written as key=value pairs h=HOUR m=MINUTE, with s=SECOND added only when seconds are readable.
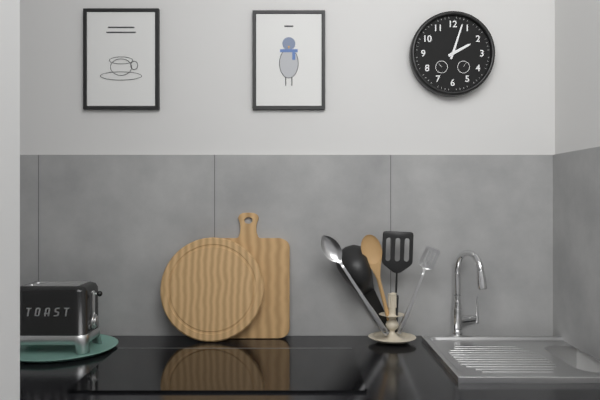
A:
h=2 m=3
